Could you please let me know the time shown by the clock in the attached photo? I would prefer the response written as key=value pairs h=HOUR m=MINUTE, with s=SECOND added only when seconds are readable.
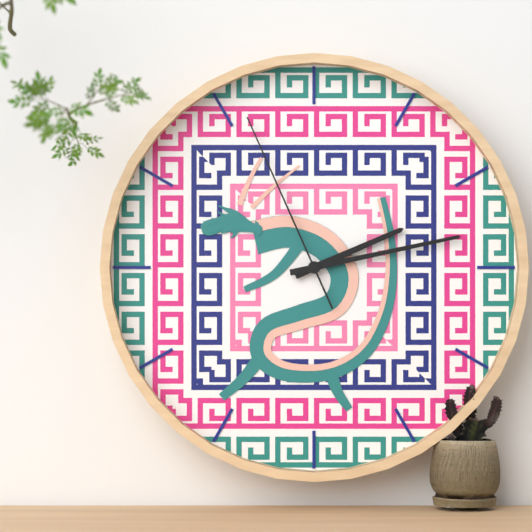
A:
h=2 m=13 s=56
